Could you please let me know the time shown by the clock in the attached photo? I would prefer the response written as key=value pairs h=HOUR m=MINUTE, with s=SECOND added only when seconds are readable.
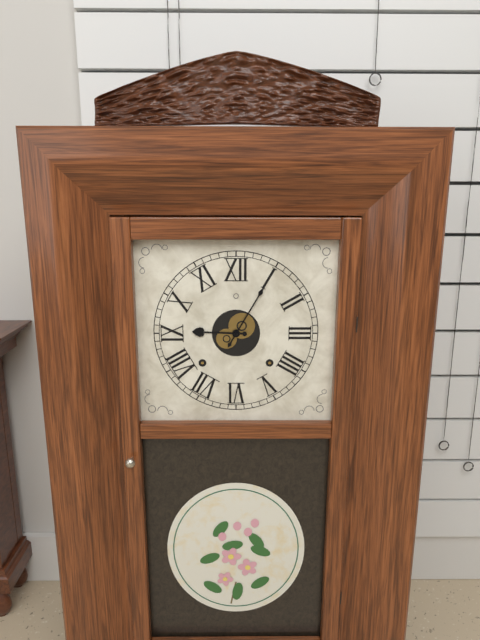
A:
h=9 m=5
